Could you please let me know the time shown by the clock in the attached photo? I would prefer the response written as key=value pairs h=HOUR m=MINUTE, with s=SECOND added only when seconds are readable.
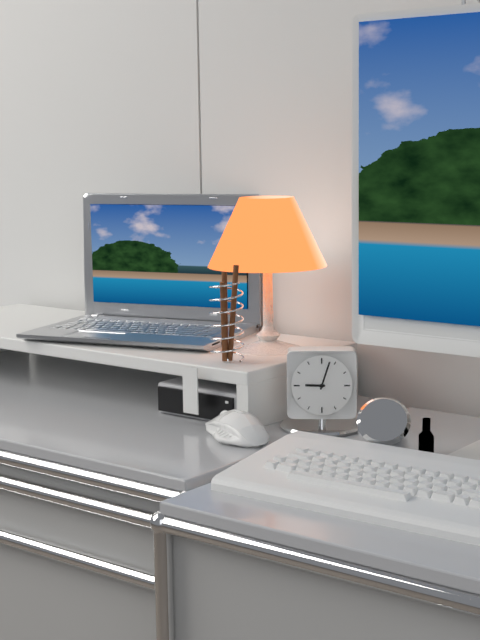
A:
h=9 m=3
